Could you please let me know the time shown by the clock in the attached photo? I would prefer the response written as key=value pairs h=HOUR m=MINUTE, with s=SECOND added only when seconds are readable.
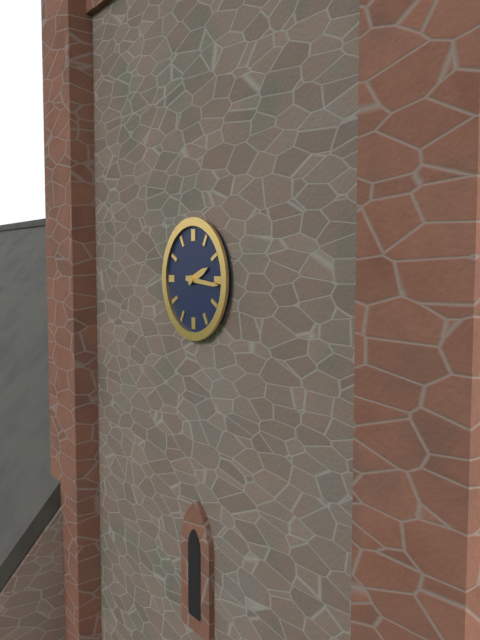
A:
h=2 m=16
